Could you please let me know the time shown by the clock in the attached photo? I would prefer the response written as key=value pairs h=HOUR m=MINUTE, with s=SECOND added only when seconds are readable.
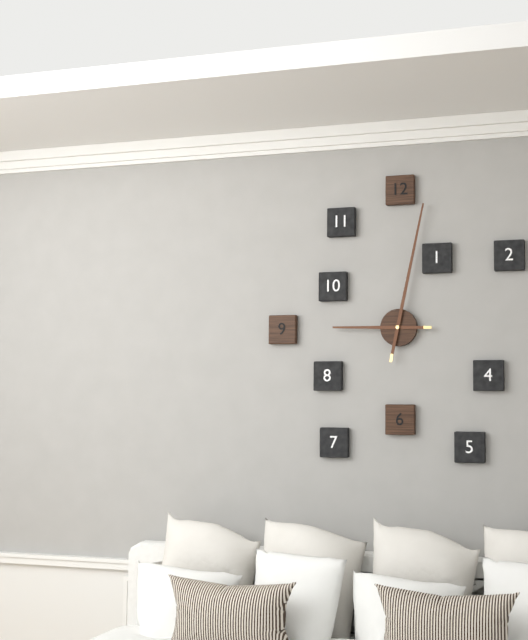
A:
h=9 m=2
